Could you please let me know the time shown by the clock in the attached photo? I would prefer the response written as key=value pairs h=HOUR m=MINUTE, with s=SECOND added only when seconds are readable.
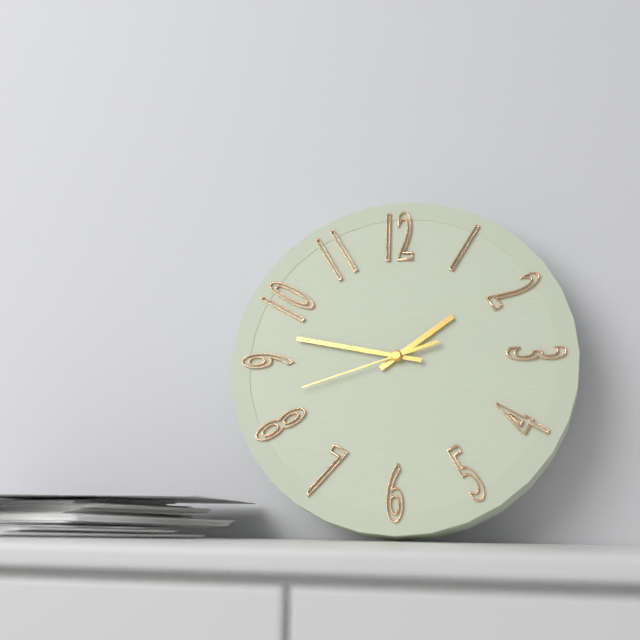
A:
h=1 m=47 s=42
